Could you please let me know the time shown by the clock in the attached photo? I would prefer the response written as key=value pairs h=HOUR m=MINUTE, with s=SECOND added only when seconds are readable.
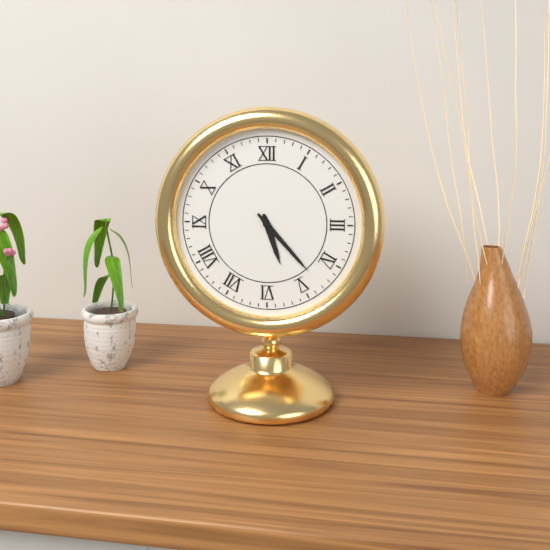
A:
h=5 m=23
